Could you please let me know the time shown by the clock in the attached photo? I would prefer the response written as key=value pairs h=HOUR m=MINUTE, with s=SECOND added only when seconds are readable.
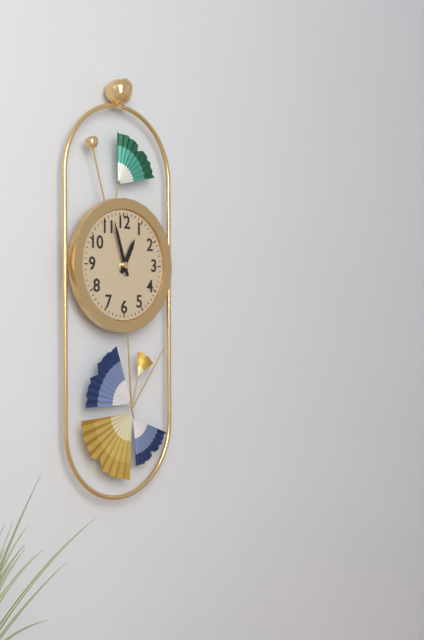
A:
h=12 m=57
